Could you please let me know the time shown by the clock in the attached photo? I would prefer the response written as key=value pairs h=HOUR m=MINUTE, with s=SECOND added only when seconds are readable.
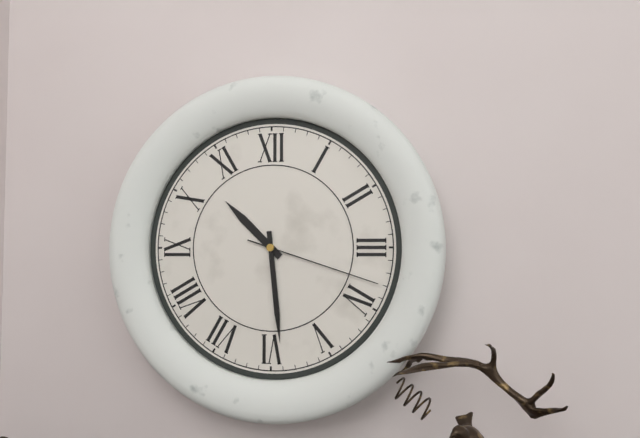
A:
h=10 m=29 s=18
